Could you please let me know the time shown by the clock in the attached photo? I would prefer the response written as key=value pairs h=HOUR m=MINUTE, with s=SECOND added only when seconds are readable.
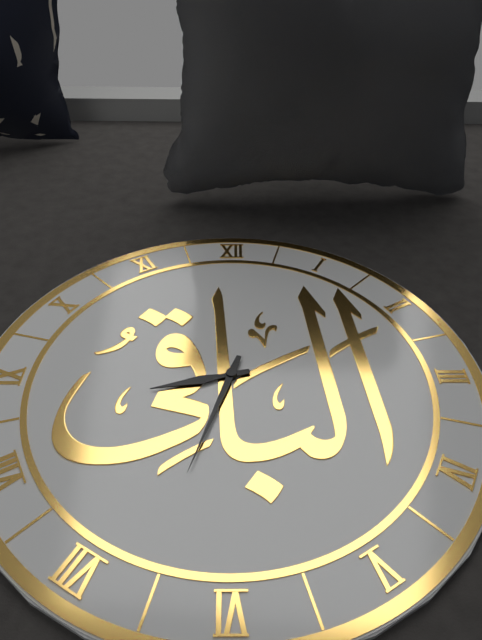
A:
h=8 m=33
